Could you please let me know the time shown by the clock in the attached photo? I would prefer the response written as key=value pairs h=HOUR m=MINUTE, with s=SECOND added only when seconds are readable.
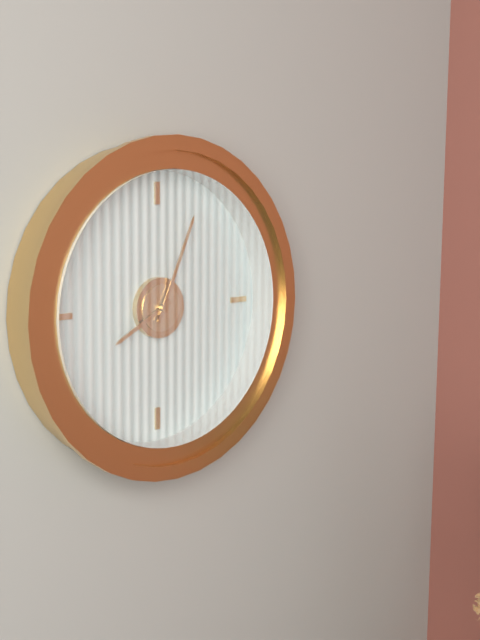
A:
h=8 m=4
